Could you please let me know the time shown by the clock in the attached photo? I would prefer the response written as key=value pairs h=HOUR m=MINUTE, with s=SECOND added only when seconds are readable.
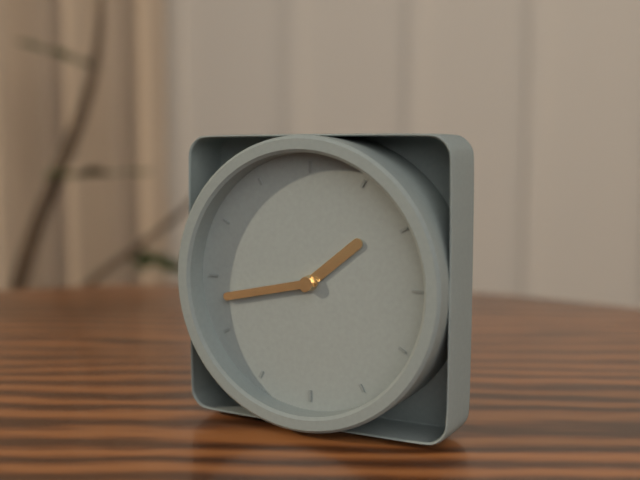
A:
h=1 m=43
